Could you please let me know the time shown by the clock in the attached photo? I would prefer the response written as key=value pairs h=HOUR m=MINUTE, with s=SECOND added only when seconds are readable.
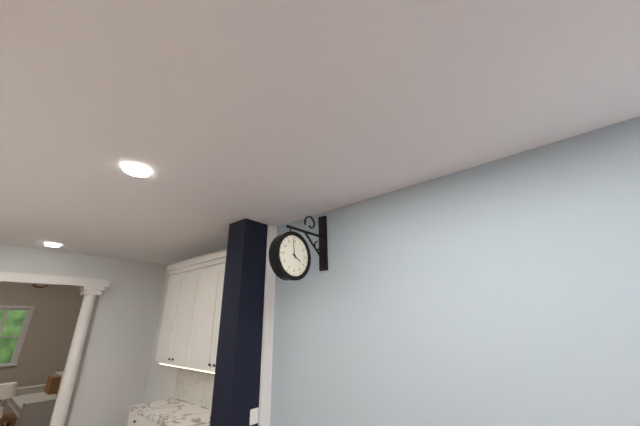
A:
h=3 m=59
